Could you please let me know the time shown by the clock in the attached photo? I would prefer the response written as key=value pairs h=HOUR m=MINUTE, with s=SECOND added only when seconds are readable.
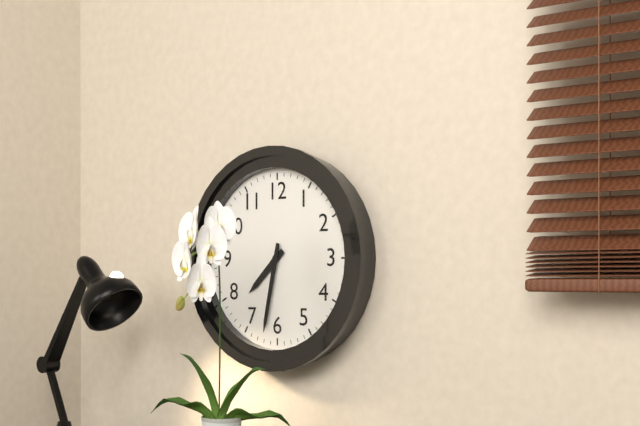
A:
h=7 m=32
